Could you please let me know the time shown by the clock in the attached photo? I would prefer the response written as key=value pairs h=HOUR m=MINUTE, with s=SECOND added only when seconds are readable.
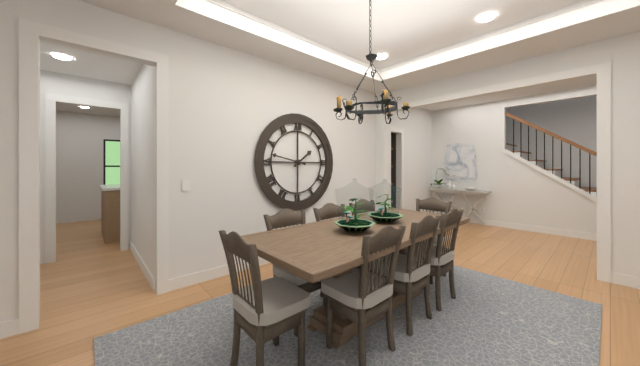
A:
h=1 m=47
